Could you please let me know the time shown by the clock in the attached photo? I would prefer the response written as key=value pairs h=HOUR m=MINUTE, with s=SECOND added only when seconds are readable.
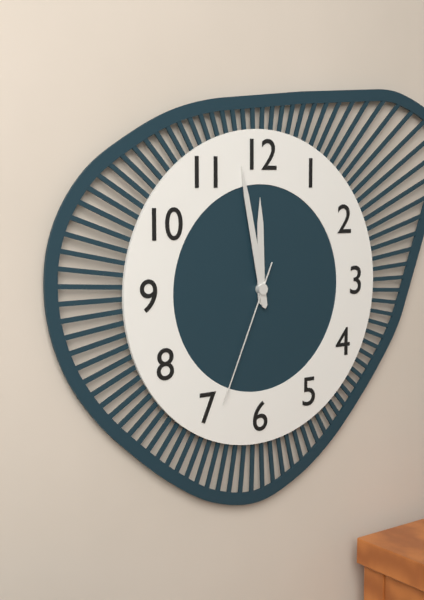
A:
h=11 m=58 s=34
